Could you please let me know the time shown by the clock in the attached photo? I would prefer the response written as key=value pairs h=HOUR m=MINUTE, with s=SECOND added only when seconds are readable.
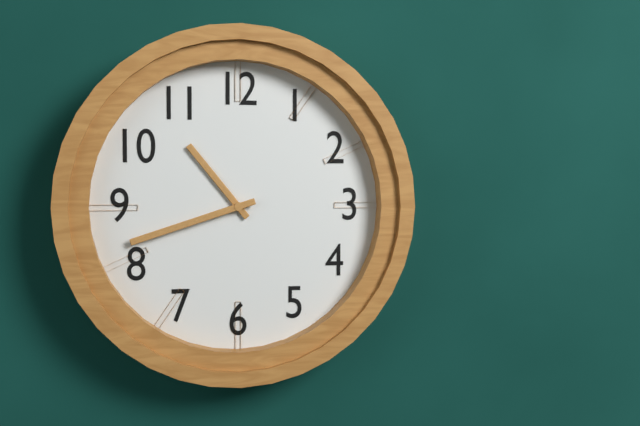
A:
h=10 m=42
